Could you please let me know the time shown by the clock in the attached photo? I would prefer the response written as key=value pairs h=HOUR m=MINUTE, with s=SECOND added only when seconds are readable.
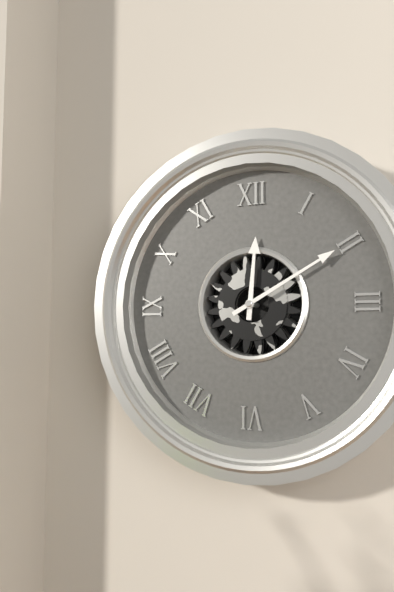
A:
h=12 m=10
